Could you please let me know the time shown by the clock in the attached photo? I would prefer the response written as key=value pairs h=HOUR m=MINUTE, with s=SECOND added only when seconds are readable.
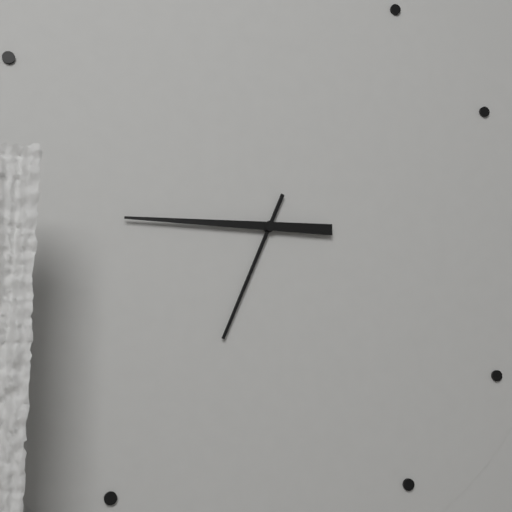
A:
h=6 m=45
